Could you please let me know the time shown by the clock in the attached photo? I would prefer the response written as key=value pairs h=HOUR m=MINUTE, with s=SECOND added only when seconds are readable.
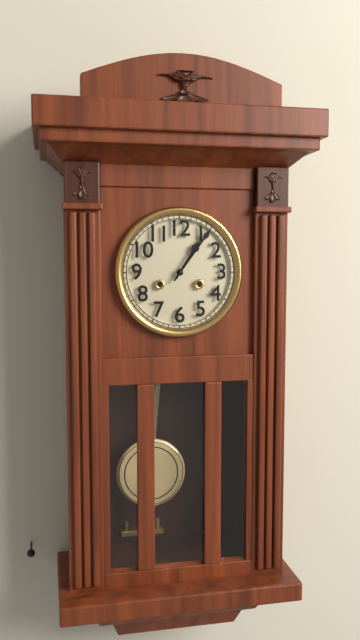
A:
h=1 m=6
